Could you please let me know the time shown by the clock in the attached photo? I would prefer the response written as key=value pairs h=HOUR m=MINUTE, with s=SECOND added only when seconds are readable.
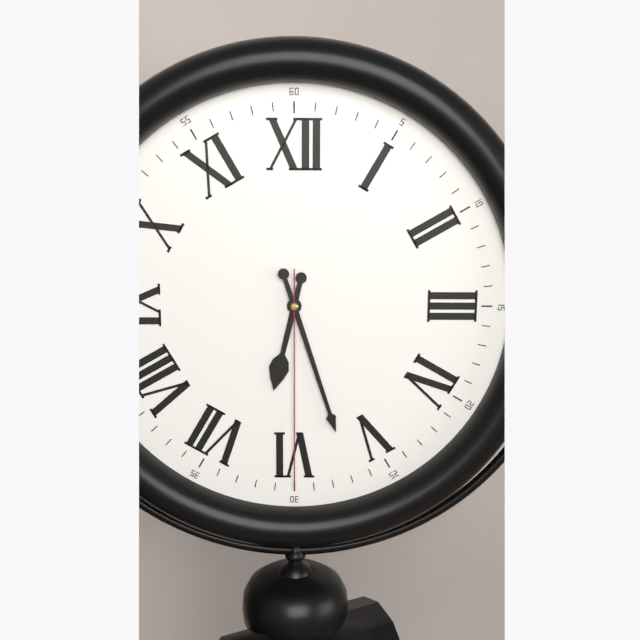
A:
h=6 m=27 s=30
